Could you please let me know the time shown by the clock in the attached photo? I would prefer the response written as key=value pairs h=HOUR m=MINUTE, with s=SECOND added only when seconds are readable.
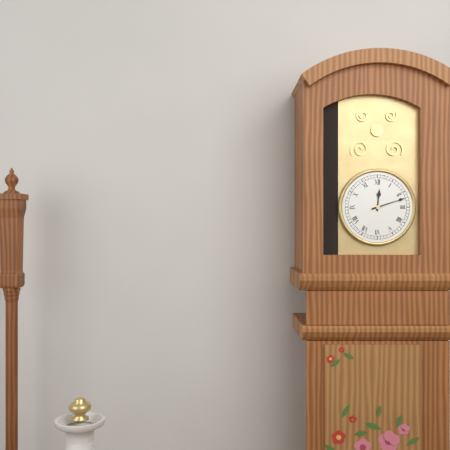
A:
h=12 m=12
